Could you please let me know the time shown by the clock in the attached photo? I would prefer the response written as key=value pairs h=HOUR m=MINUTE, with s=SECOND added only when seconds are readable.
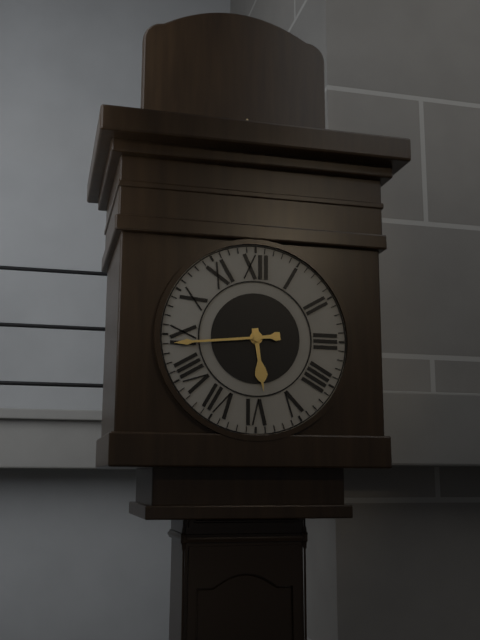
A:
h=5 m=44
